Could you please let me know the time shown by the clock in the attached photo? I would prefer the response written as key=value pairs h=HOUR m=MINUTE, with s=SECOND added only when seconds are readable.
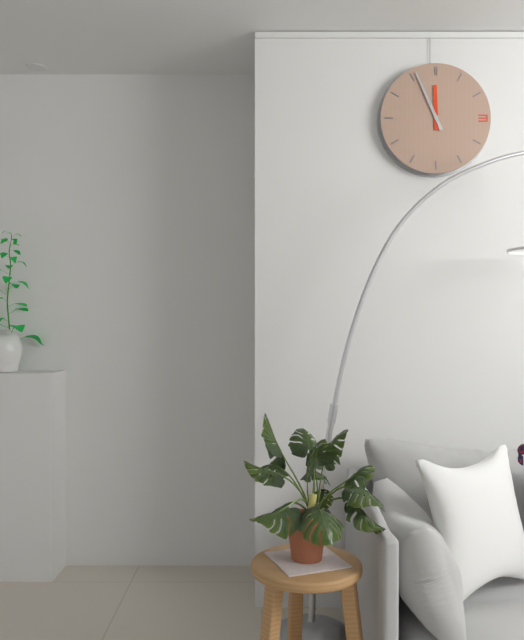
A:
h=11 m=56
